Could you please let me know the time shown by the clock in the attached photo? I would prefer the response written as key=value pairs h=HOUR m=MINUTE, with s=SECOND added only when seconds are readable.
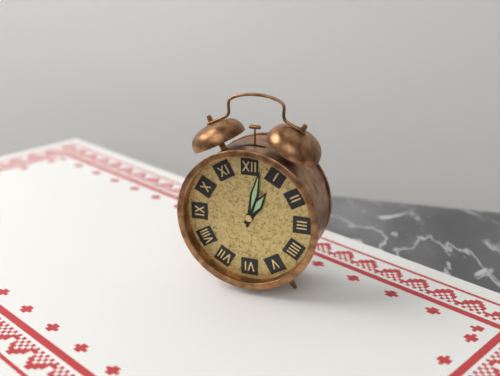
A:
h=1 m=2
